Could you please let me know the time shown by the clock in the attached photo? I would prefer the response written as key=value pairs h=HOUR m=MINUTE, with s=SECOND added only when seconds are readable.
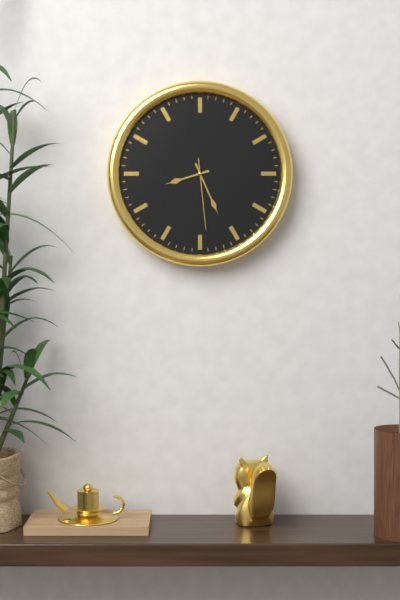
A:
h=8 m=26 s=29
